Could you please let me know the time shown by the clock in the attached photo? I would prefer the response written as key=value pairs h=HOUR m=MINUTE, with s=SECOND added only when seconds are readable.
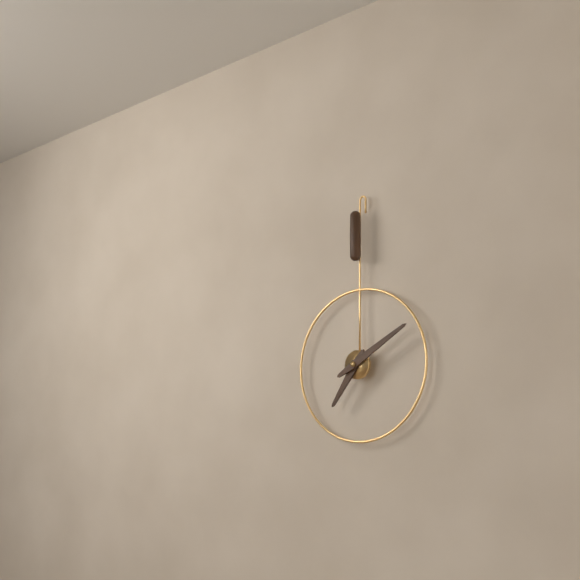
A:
h=7 m=10
